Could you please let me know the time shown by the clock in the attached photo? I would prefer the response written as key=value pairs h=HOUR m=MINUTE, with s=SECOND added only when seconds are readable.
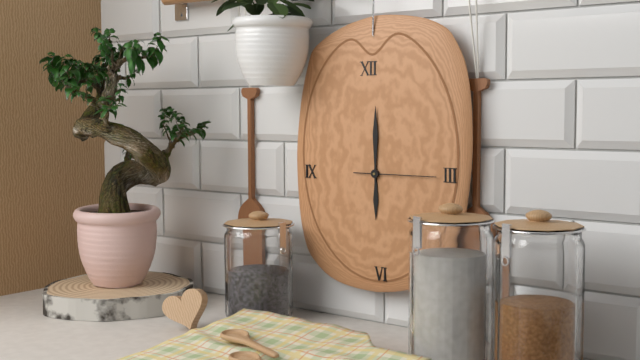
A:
h=6 m=0 s=15
